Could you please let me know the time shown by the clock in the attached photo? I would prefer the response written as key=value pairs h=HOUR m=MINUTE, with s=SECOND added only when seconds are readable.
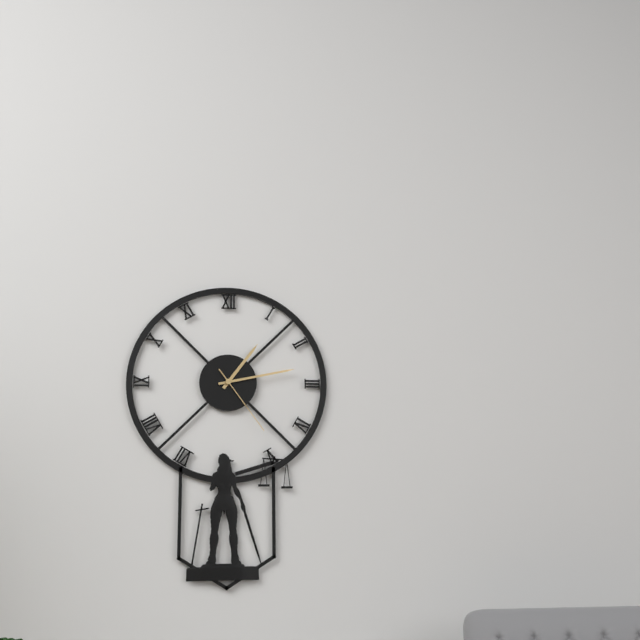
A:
h=1 m=13 s=24
